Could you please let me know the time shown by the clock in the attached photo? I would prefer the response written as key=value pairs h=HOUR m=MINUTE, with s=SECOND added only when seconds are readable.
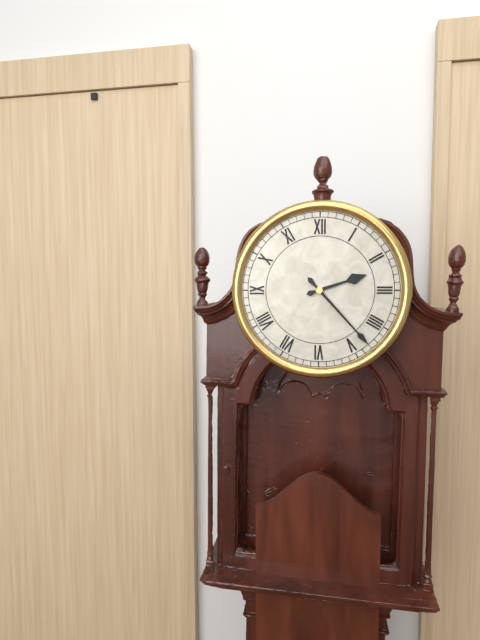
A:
h=2 m=23
